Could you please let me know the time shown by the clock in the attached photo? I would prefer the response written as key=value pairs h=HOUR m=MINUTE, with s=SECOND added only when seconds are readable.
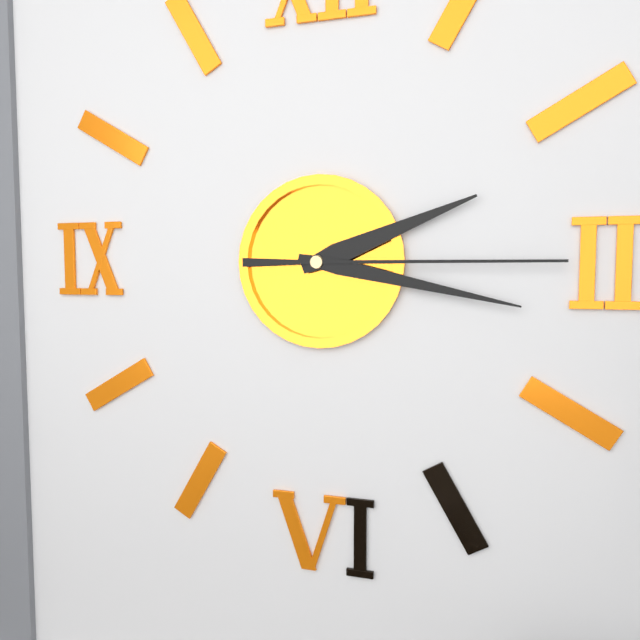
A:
h=2 m=17 s=15
